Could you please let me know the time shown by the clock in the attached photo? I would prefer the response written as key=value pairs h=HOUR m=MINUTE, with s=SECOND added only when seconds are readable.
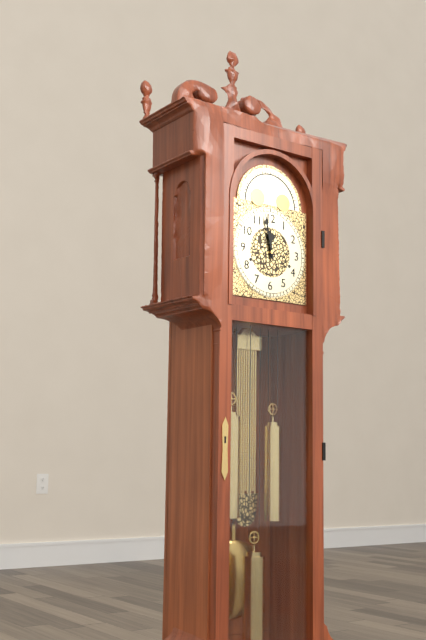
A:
h=11 m=58
